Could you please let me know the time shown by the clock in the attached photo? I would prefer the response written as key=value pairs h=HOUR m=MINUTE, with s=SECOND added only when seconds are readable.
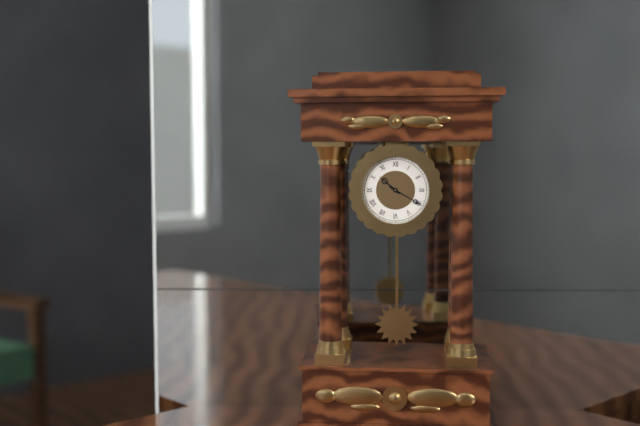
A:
h=10 m=20
